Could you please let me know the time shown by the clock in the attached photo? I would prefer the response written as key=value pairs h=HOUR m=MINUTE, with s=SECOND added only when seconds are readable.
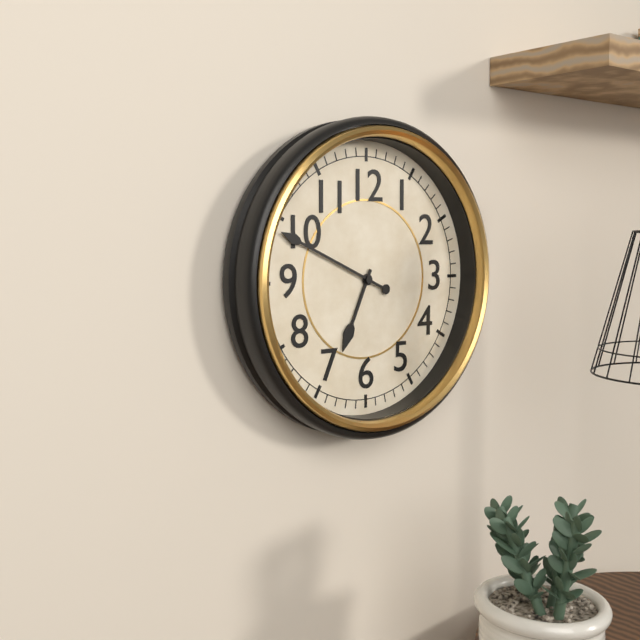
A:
h=6 m=49
